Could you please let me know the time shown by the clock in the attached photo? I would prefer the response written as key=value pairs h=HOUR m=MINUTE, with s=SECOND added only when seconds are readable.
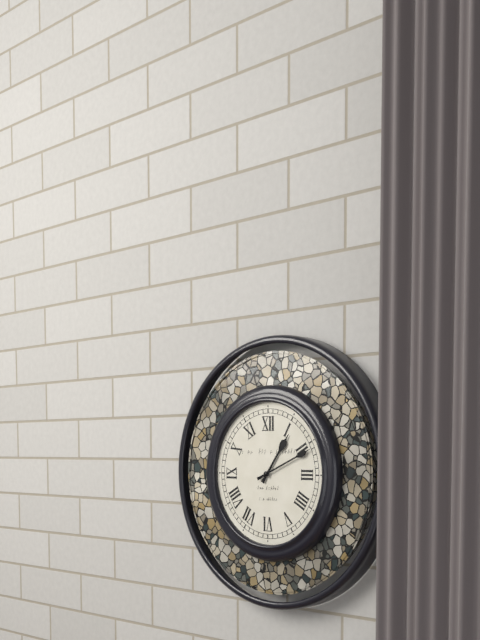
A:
h=1 m=11
